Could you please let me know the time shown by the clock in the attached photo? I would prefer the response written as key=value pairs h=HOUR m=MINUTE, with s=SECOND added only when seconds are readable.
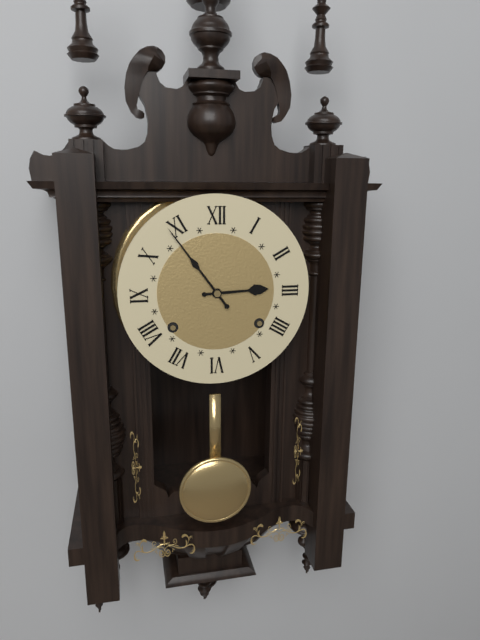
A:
h=2 m=54
